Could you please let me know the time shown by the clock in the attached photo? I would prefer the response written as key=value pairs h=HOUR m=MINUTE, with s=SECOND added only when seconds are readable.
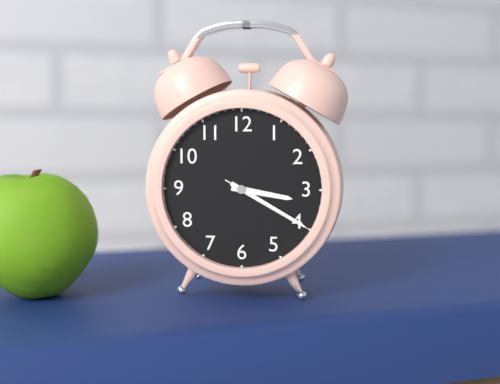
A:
h=3 m=20 s=20
